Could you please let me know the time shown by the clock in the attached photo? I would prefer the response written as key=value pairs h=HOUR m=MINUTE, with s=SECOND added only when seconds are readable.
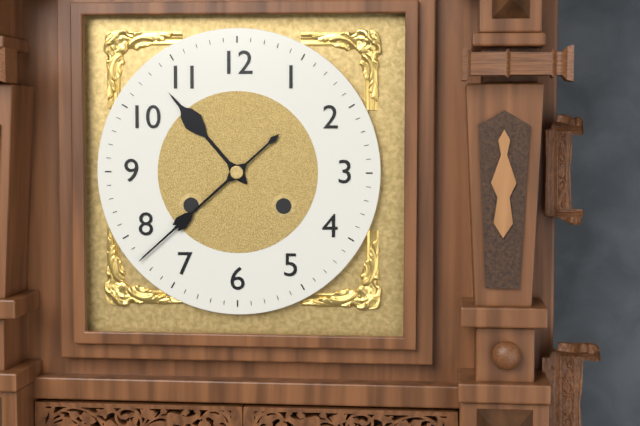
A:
h=10 m=38
